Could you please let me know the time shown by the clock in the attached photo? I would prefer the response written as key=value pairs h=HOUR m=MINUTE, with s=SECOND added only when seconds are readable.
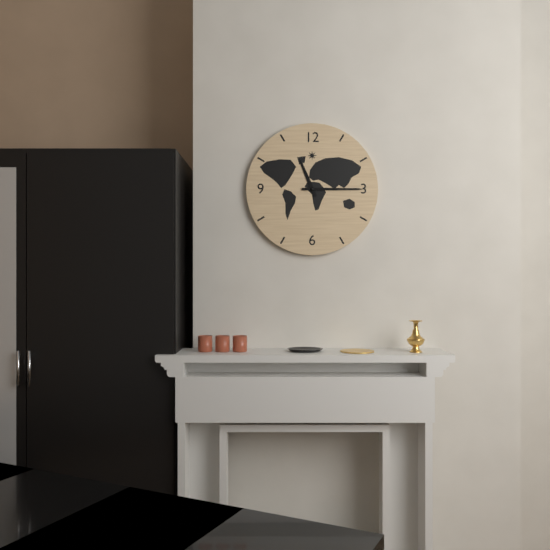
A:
h=11 m=15
